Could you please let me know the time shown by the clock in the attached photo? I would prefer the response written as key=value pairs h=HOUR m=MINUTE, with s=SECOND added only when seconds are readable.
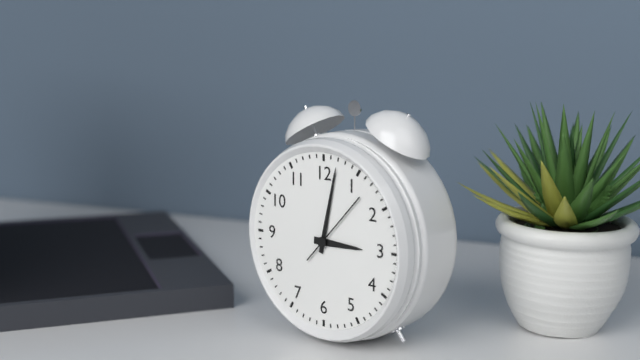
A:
h=3 m=2 s=7
